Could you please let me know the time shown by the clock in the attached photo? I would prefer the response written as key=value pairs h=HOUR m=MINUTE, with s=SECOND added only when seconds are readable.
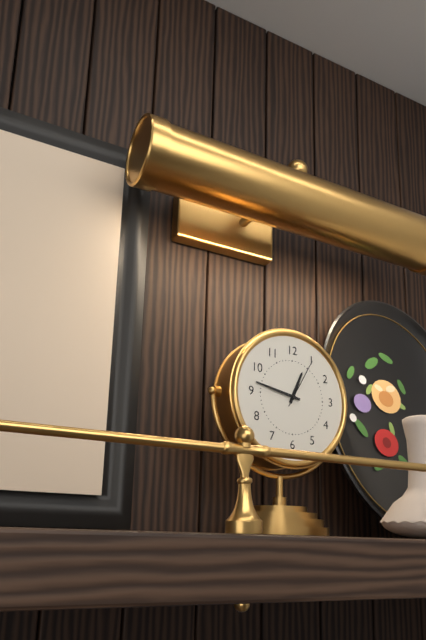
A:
h=12 m=47 s=5
